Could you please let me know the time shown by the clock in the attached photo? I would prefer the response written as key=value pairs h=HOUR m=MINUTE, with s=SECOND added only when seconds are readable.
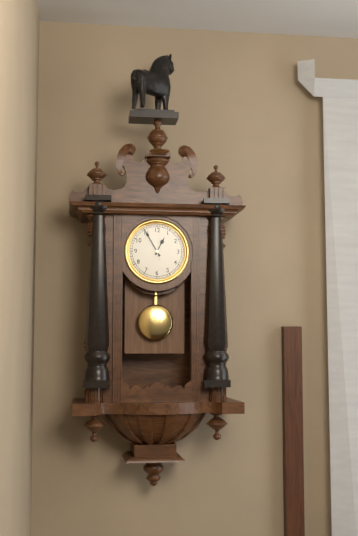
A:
h=12 m=55
